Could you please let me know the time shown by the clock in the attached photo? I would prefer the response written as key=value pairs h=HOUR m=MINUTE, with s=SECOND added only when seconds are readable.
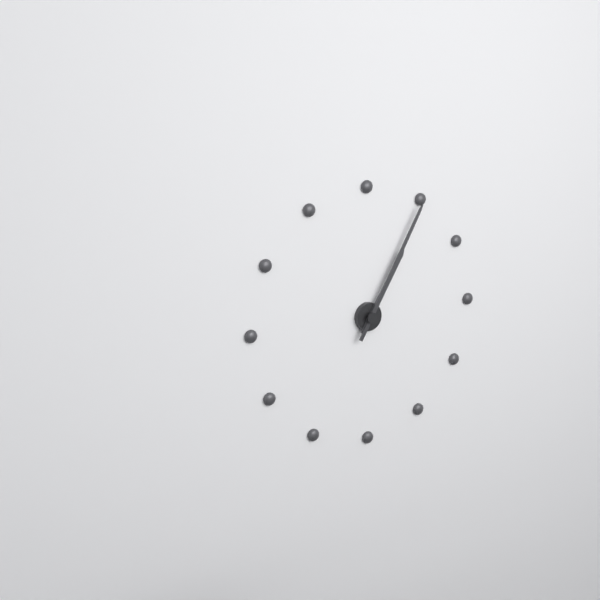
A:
h=1 m=5
